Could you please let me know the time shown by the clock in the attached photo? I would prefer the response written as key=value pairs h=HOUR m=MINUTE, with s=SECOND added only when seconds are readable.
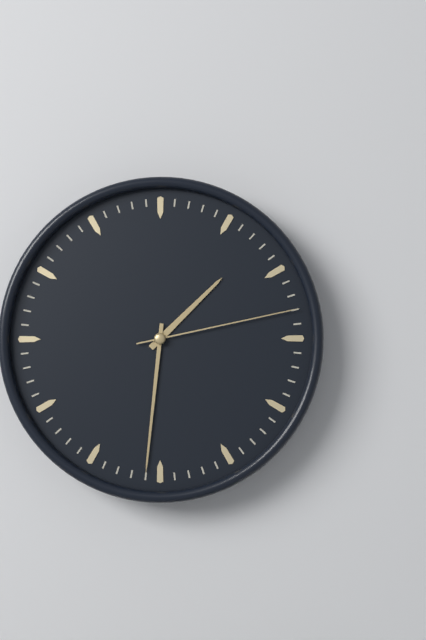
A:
h=1 m=31 s=13
